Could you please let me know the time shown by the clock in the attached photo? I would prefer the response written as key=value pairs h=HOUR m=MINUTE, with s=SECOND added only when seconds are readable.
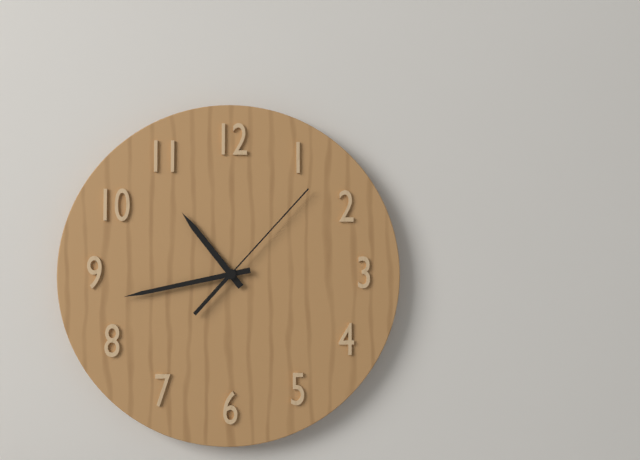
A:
h=10 m=43 s=7
